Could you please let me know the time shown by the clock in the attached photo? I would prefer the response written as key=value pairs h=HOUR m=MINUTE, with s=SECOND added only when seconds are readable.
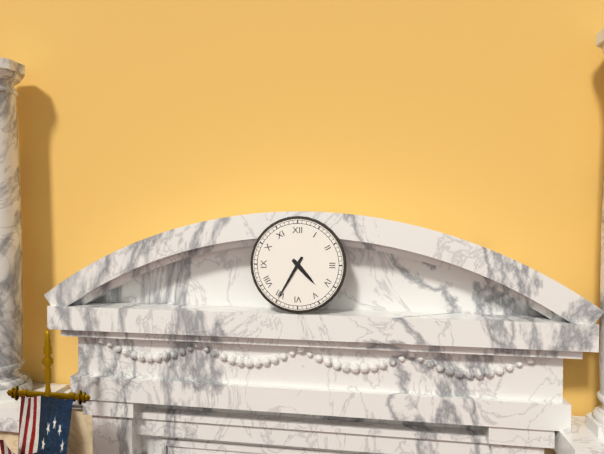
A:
h=4 m=35
